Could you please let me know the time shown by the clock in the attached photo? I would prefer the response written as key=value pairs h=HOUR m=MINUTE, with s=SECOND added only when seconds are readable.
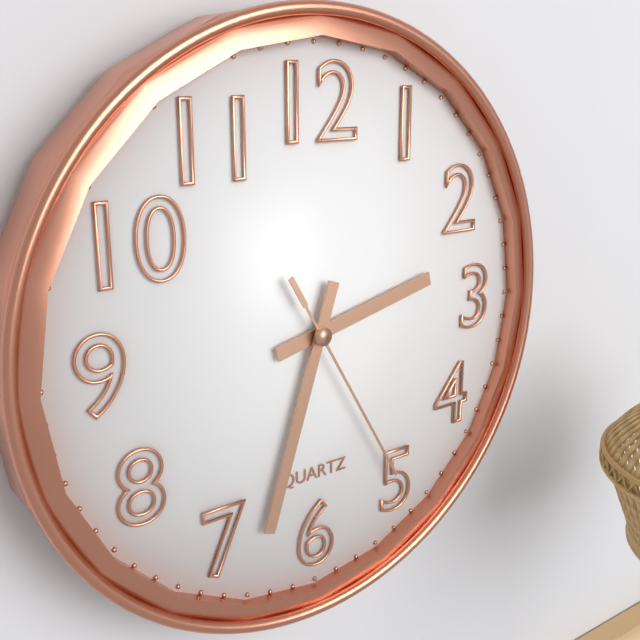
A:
h=2 m=33 s=25
